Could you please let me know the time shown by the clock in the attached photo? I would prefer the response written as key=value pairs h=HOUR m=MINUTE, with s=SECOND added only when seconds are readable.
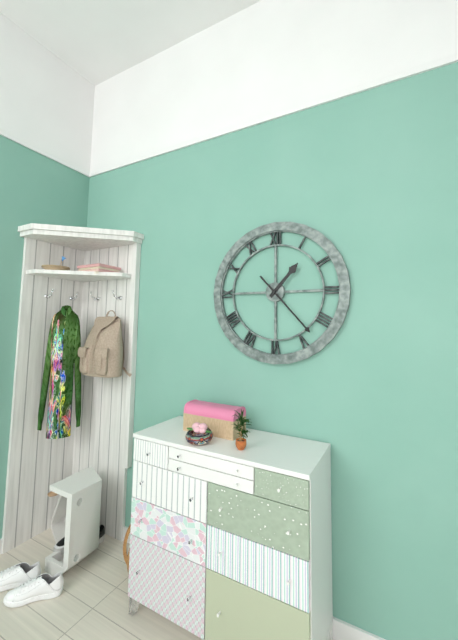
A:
h=1 m=23
